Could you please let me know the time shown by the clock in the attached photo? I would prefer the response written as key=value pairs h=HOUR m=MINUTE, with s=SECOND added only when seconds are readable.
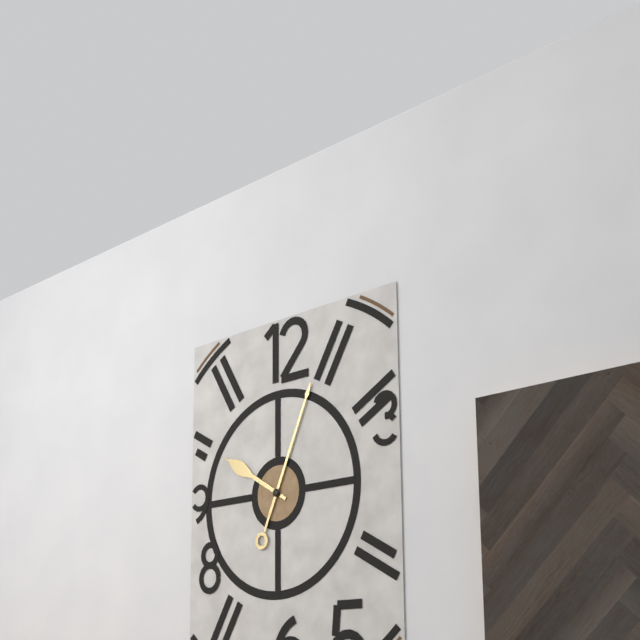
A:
h=10 m=4
